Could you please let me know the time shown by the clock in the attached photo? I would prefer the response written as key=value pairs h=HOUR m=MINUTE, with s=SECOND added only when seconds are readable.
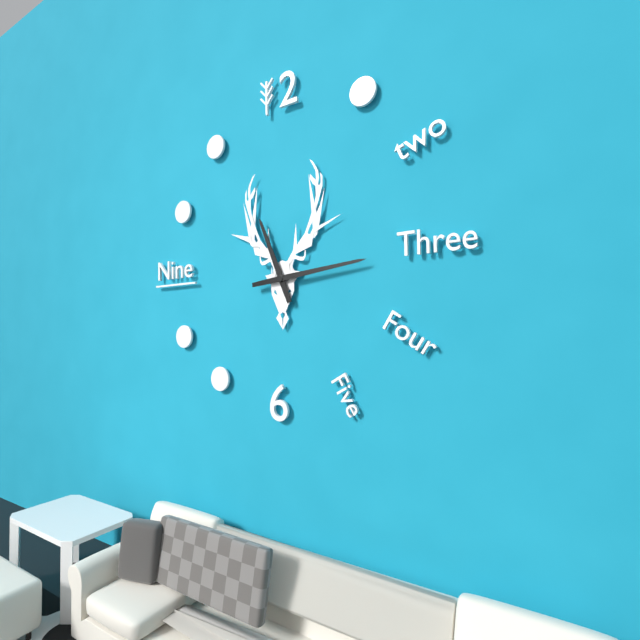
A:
h=11 m=14
